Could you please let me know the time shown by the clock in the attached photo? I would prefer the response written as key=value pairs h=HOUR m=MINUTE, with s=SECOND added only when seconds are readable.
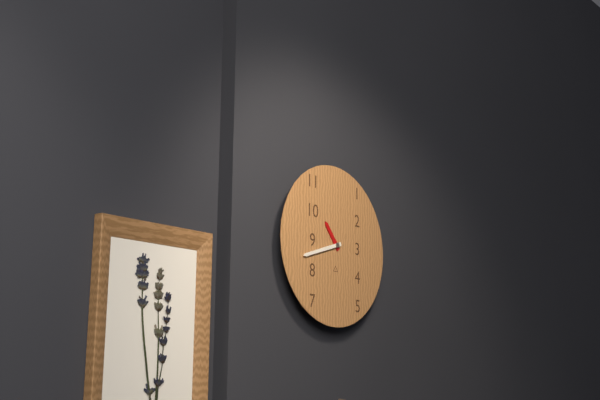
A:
h=10 m=42
